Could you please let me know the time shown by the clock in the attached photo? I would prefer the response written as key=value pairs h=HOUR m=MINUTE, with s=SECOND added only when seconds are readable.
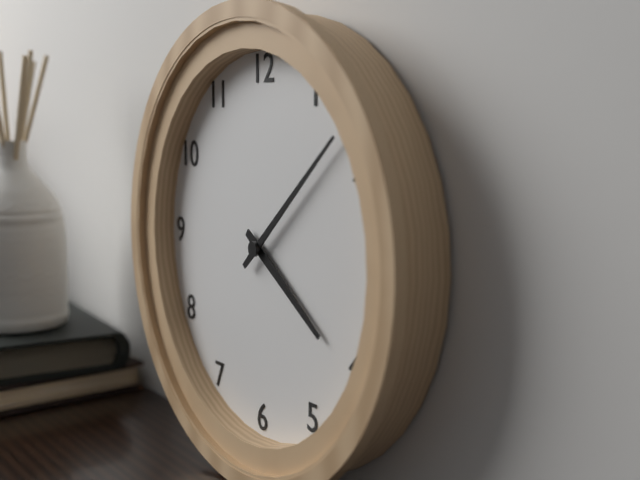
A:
h=4 m=8
